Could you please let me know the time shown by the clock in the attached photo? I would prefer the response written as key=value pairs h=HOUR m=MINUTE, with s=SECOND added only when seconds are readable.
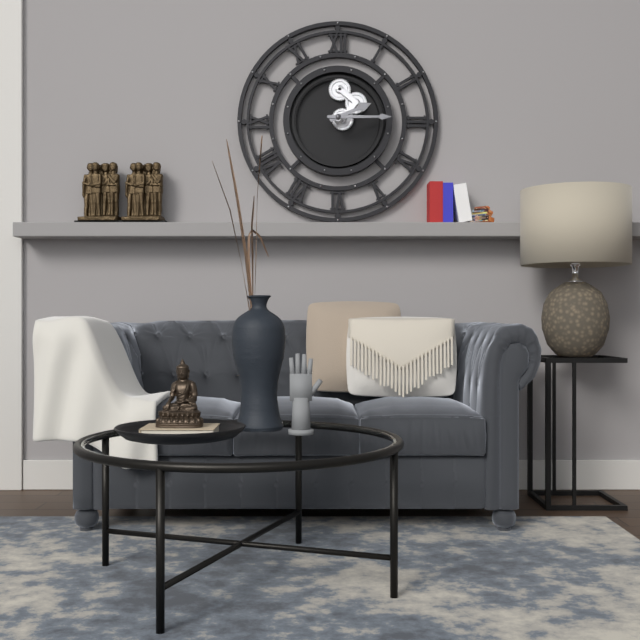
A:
h=2 m=15
